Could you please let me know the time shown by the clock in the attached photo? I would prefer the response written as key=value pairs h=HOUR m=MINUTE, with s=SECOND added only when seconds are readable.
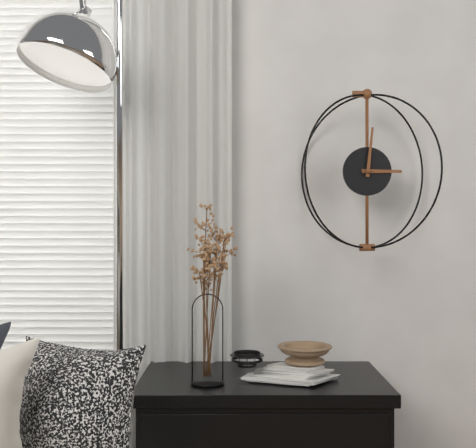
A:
h=3 m=1
